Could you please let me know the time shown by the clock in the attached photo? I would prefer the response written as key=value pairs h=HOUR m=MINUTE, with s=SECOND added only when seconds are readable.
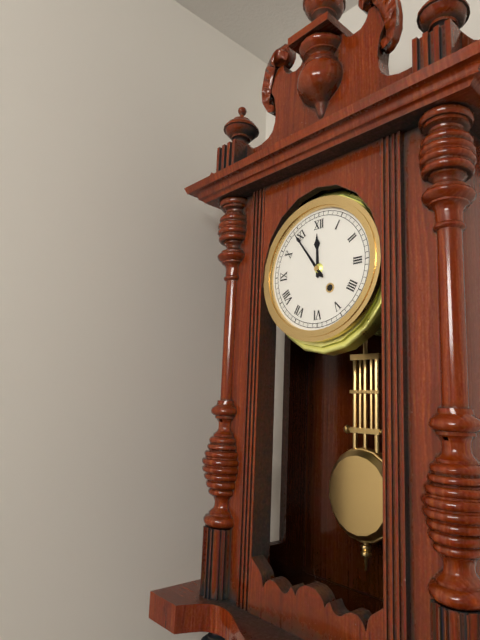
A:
h=11 m=54
